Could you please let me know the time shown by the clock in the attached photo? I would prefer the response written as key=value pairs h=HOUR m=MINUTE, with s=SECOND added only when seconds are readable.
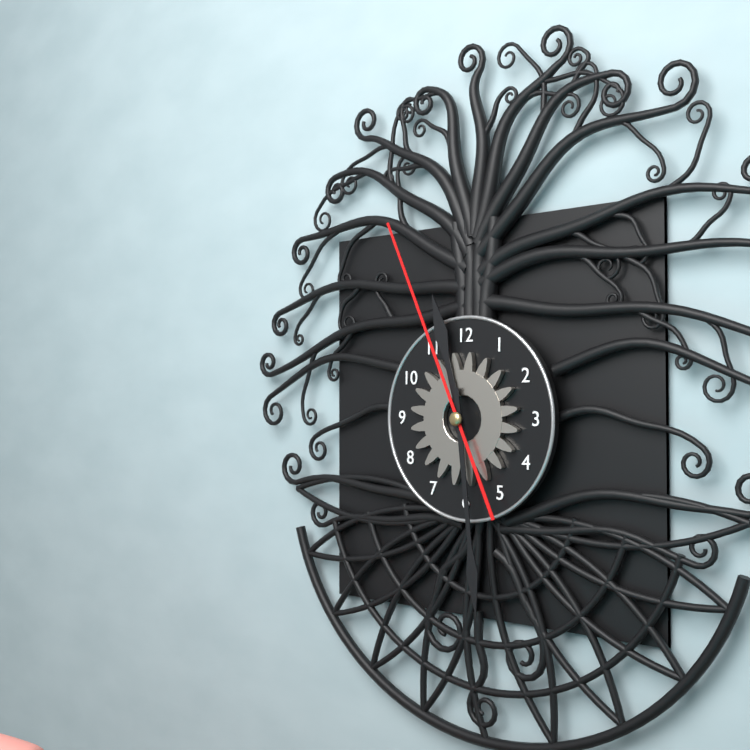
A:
h=11 m=29 s=56
